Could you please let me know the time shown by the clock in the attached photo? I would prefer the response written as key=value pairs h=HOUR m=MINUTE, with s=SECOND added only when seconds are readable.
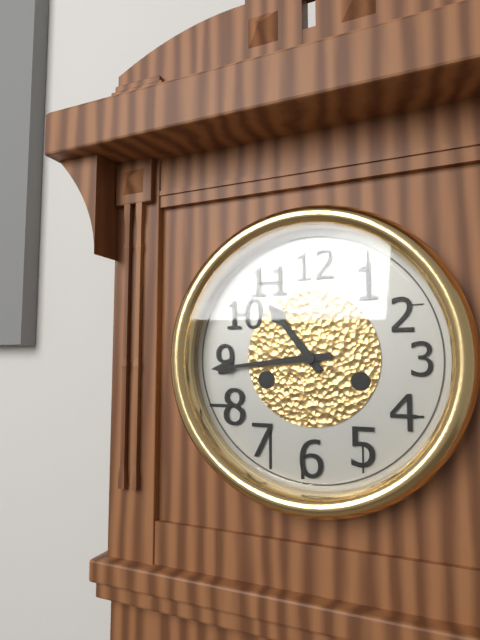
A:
h=10 m=44
